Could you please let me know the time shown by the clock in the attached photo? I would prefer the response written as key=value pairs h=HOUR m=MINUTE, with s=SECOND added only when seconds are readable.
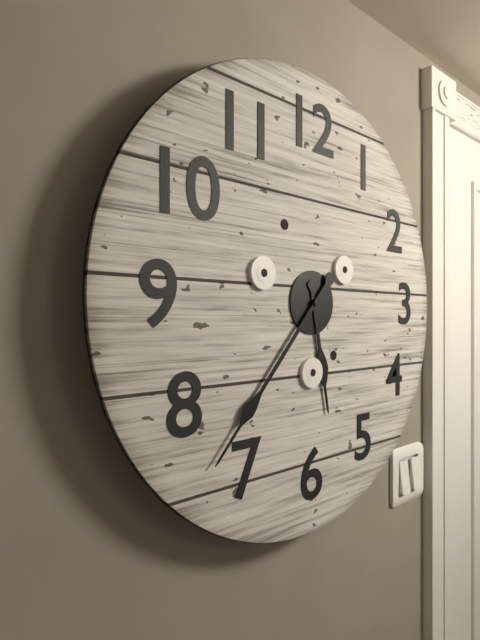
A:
h=5 m=37
